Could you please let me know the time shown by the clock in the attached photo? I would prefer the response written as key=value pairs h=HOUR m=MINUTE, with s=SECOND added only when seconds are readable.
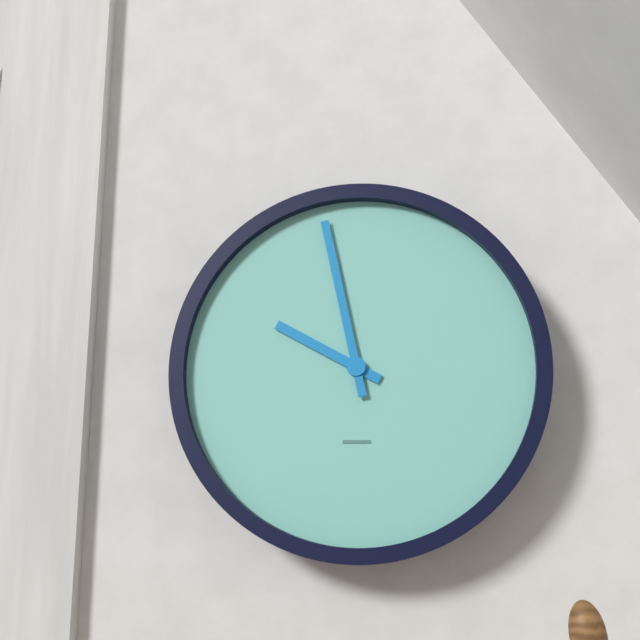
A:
h=9 m=58
